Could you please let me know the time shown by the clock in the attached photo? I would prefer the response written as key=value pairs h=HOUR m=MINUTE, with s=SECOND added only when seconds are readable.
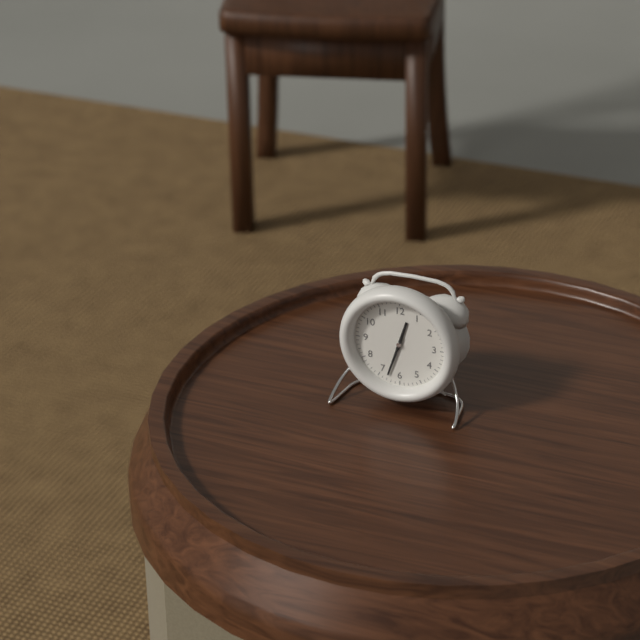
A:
h=12 m=33
